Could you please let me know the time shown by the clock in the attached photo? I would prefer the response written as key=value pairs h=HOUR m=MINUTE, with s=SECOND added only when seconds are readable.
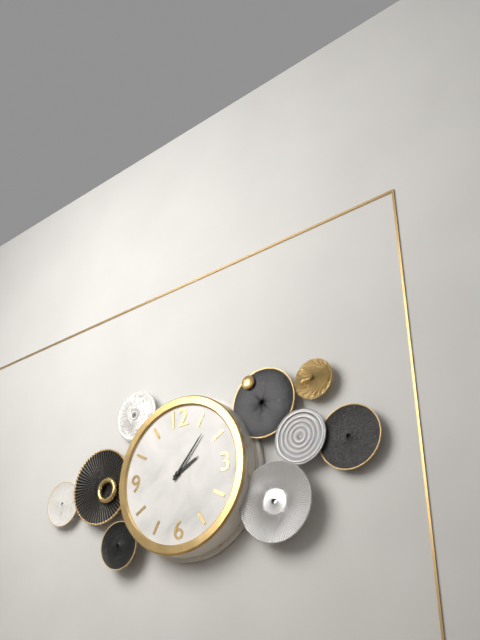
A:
h=2 m=7
